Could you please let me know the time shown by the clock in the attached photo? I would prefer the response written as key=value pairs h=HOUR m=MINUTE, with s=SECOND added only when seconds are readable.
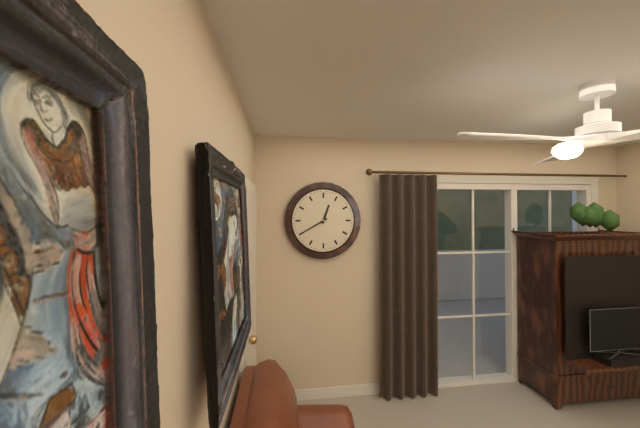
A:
h=12 m=40
